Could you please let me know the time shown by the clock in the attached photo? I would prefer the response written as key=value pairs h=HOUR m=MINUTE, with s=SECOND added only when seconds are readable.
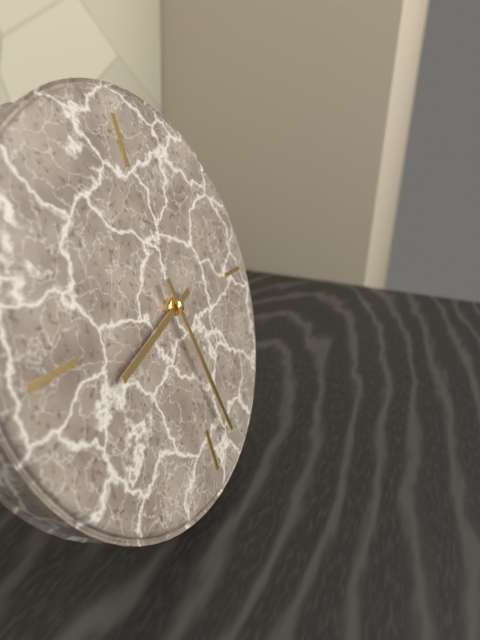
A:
h=8 m=28
